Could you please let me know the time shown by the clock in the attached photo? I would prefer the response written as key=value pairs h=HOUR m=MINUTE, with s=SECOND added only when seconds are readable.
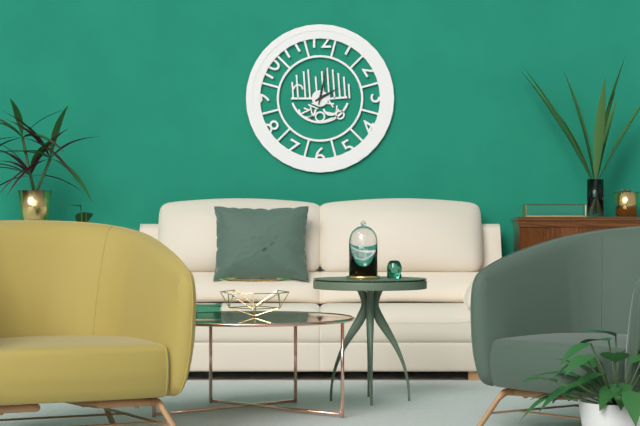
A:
h=2 m=2
